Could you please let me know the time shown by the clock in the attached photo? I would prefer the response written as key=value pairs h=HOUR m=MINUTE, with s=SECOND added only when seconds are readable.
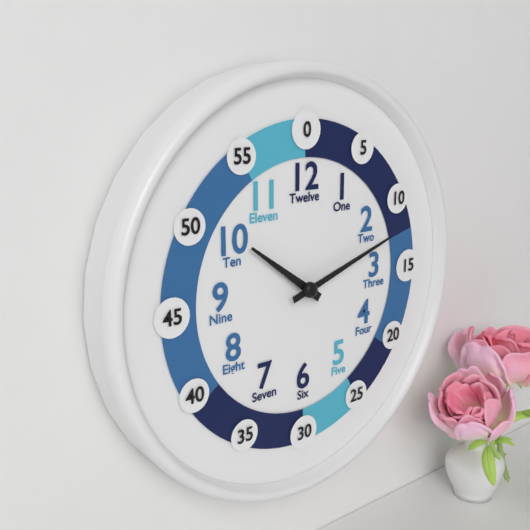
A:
h=10 m=12
